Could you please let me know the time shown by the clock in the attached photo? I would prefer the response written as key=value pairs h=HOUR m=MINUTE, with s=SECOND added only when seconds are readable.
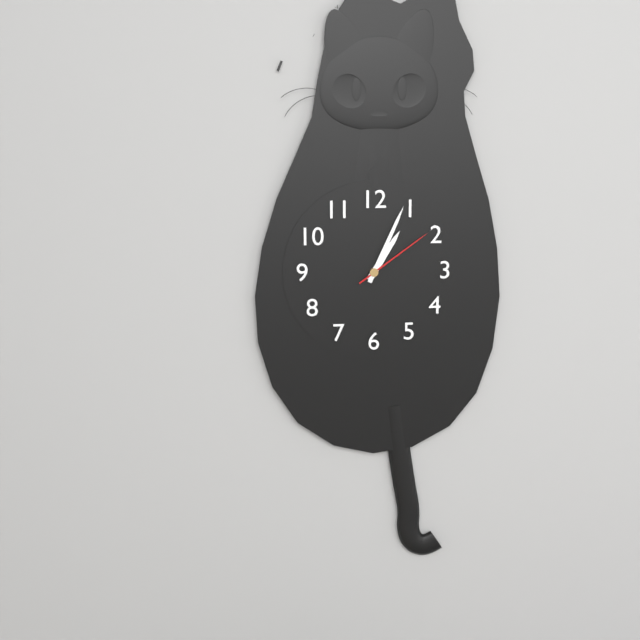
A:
h=1 m=4 s=9
